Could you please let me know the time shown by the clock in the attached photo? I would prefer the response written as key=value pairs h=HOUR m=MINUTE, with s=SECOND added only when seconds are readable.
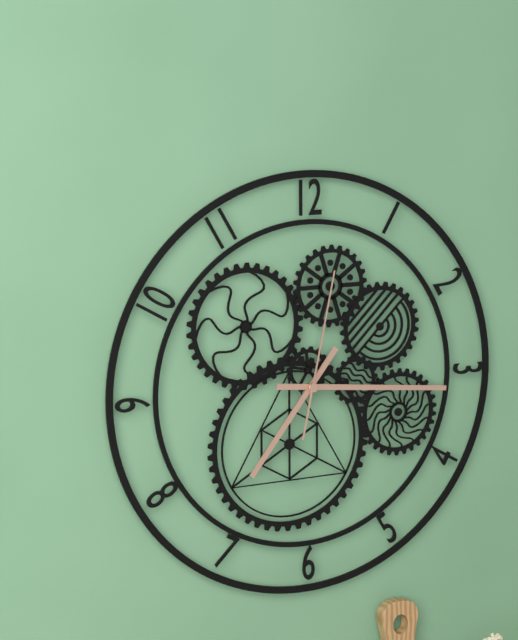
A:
h=7 m=16 s=2
